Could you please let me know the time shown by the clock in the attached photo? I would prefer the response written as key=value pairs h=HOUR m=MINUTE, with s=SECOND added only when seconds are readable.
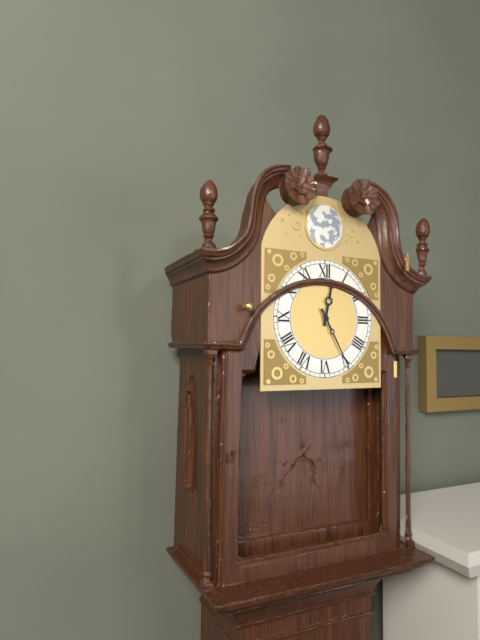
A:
h=12 m=25
